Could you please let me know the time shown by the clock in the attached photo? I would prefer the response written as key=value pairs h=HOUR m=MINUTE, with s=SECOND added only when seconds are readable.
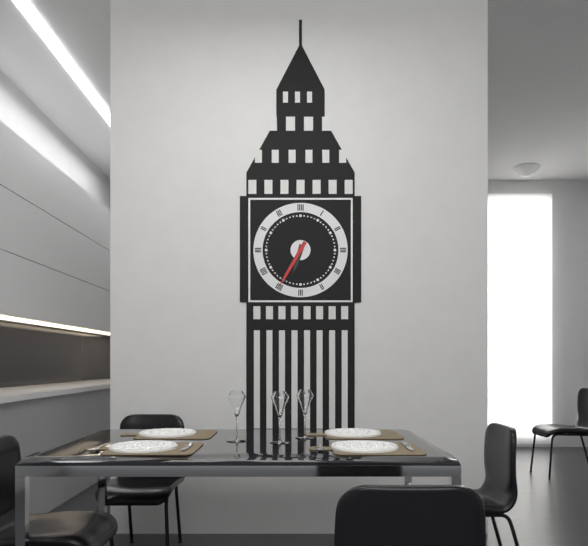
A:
h=6 m=35
